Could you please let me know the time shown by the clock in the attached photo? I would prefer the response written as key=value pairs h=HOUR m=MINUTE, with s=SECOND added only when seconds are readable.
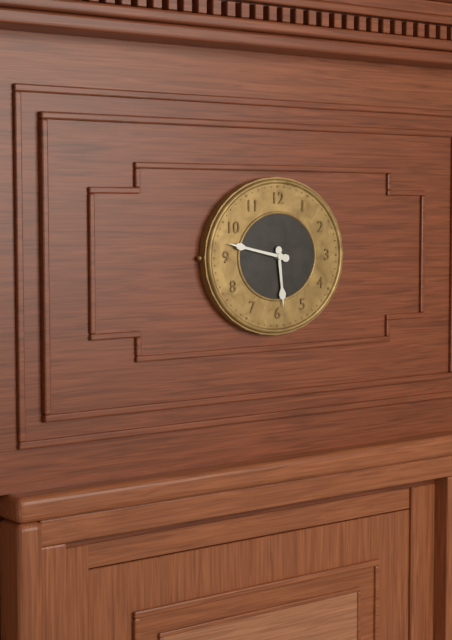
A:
h=5 m=47
